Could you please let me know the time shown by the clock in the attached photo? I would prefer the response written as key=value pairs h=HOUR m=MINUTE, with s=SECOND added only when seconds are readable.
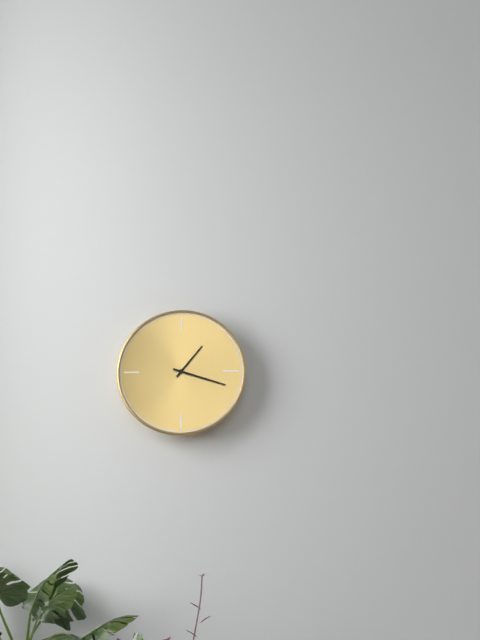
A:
h=1 m=18
